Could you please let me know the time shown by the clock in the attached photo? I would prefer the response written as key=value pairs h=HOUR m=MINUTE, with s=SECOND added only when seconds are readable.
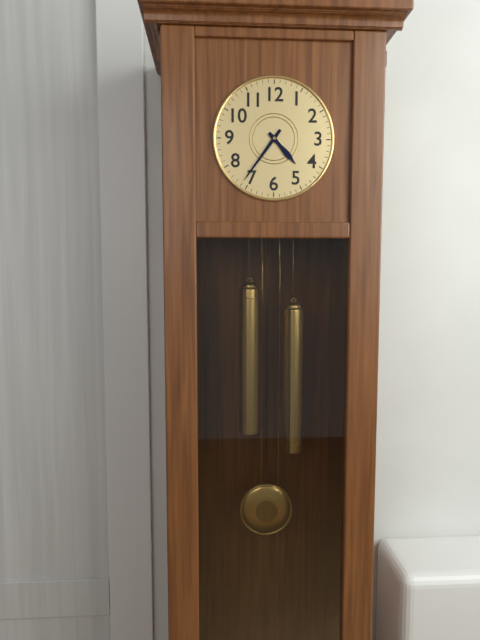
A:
h=4 m=36
